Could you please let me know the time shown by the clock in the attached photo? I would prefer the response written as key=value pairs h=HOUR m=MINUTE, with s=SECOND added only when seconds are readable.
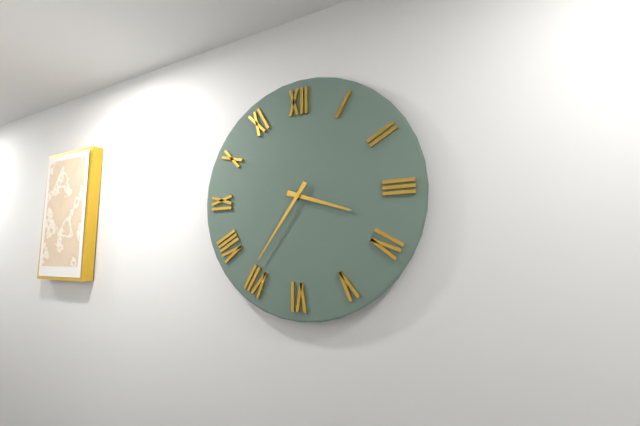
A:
h=3 m=36
